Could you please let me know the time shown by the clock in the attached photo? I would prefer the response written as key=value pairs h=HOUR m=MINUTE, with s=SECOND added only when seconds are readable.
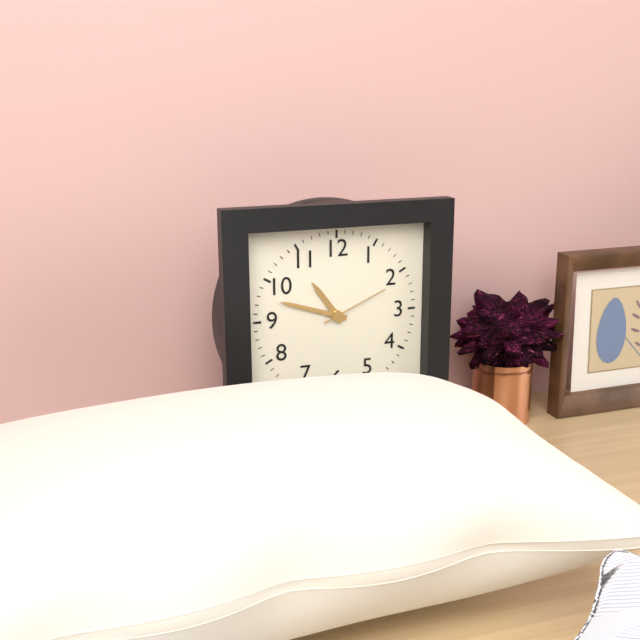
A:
h=10 m=48 s=11
